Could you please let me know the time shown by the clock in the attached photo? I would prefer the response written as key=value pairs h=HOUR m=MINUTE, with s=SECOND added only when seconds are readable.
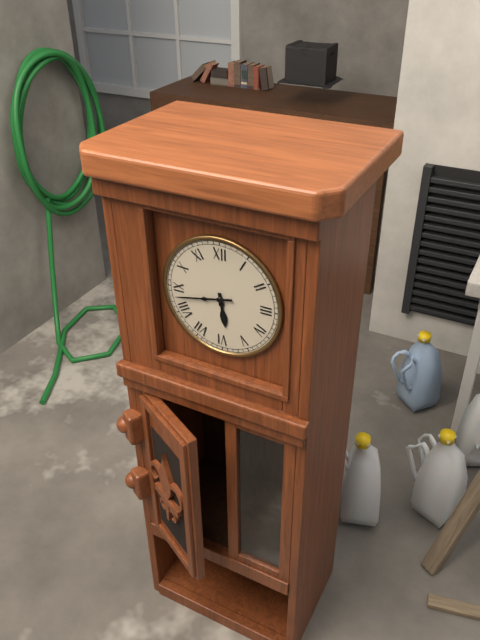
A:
h=5 m=43
